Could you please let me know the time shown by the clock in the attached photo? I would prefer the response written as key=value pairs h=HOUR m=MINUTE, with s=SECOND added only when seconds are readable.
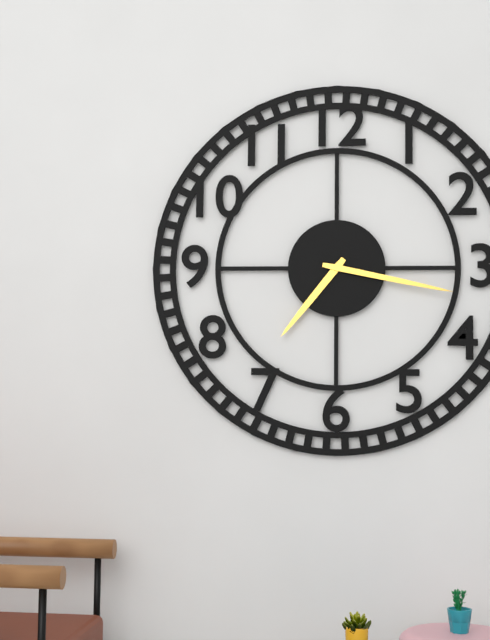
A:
h=7 m=17
